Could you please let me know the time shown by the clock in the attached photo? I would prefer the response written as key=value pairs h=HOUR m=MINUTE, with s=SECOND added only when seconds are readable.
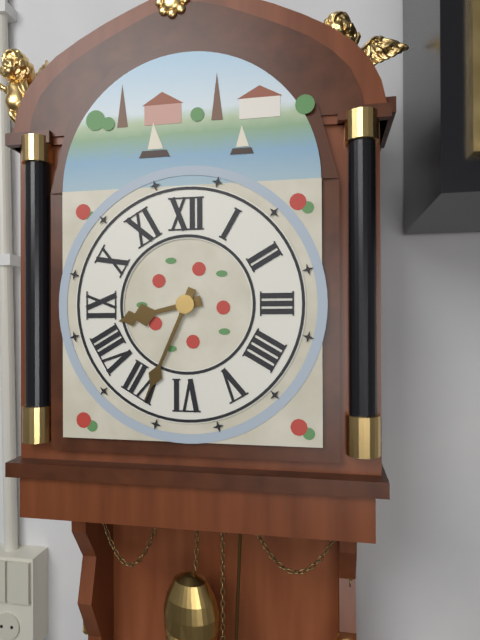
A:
h=8 m=34
